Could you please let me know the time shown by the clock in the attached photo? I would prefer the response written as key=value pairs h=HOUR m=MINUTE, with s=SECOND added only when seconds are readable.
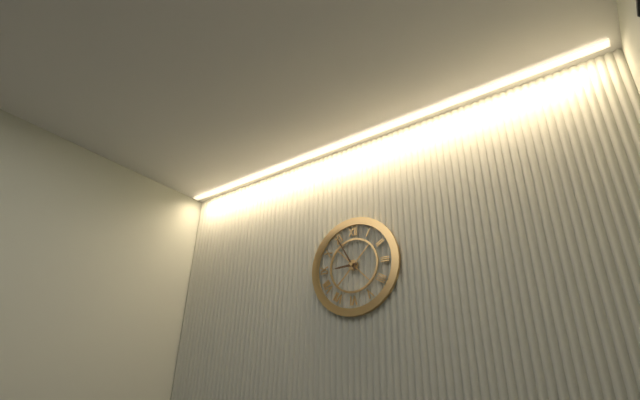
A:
h=8 m=55
